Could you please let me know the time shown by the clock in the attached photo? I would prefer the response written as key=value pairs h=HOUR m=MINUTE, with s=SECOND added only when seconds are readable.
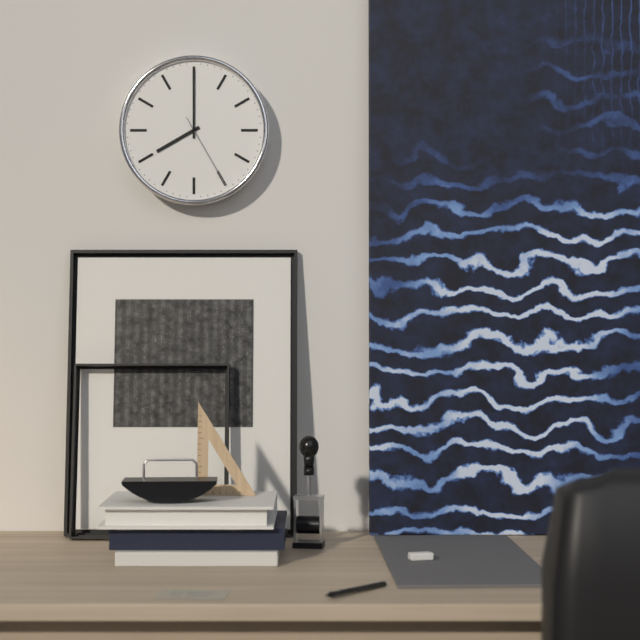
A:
h=8 m=0 s=25
